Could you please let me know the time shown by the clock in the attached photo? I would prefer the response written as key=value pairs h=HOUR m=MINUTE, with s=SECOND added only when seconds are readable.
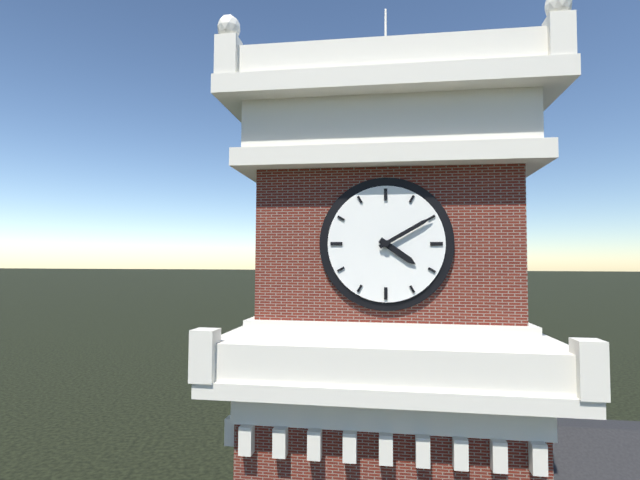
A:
h=4 m=10
